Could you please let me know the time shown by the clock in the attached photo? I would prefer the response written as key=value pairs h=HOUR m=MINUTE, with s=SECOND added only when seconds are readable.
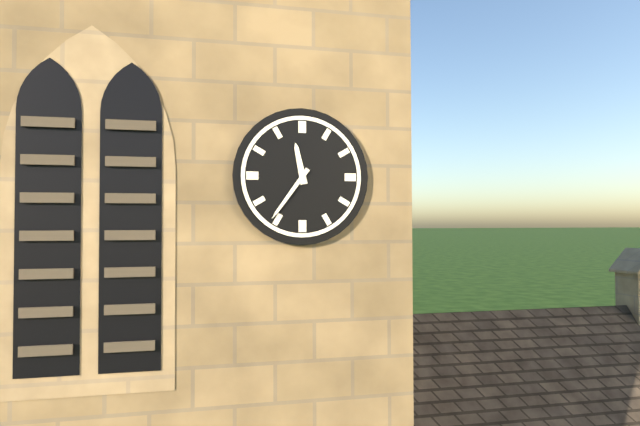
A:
h=11 m=36
